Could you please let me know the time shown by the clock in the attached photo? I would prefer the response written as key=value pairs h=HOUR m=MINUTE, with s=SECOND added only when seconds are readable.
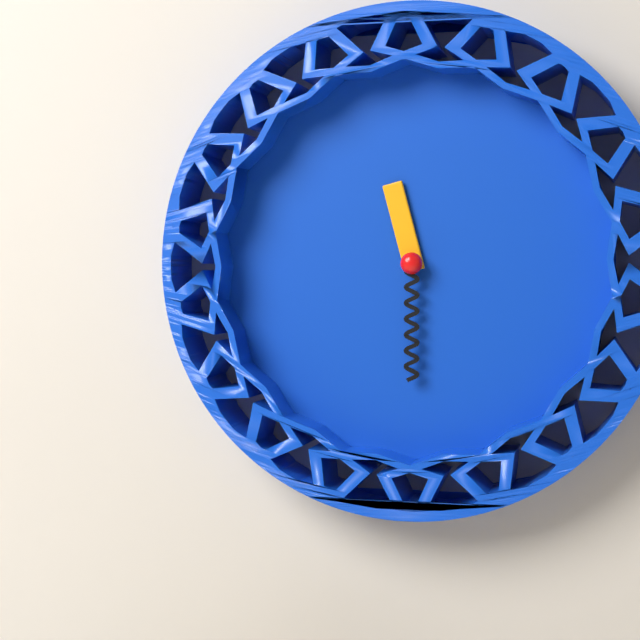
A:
h=11 m=30
